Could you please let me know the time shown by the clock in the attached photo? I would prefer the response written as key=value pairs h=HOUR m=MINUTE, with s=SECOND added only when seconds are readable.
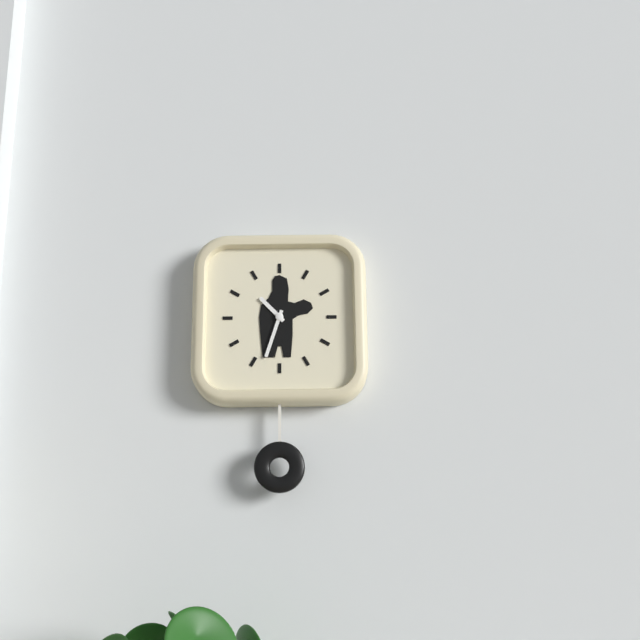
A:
h=10 m=33
